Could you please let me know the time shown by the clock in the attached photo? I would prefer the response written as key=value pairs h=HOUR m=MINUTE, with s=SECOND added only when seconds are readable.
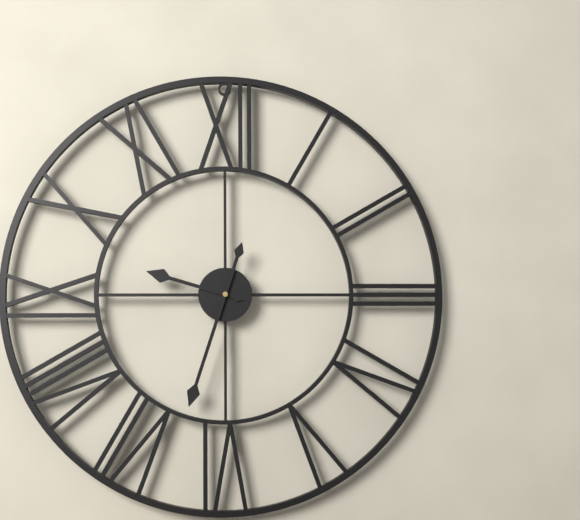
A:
h=9 m=33
